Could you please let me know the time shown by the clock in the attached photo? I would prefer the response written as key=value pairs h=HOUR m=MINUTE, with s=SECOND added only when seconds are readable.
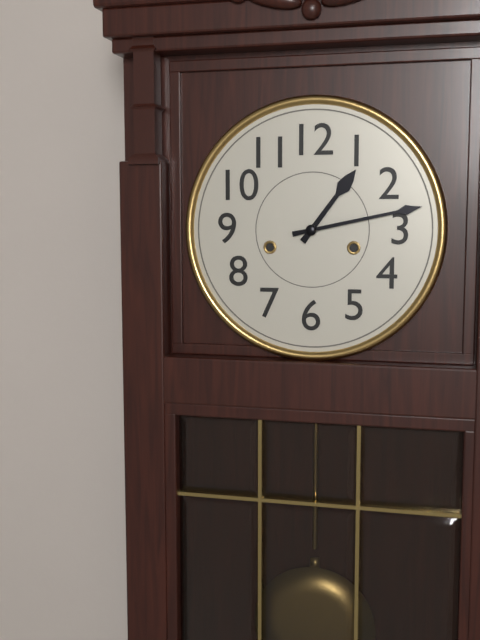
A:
h=1 m=13
